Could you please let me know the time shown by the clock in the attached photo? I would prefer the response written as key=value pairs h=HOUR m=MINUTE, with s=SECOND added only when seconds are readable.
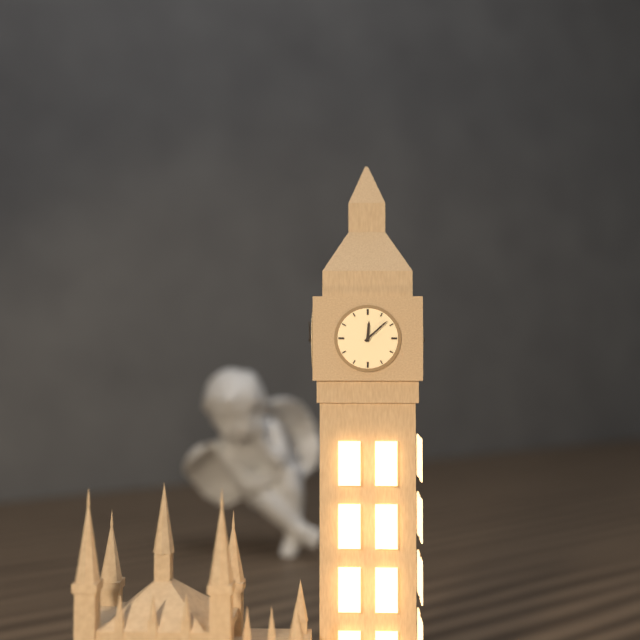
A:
h=12 m=8
